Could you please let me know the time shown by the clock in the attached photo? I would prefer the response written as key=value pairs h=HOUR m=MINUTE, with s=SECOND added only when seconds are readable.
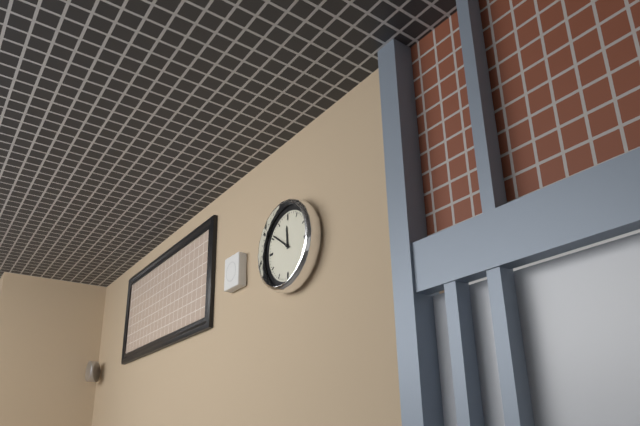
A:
h=11 m=51
